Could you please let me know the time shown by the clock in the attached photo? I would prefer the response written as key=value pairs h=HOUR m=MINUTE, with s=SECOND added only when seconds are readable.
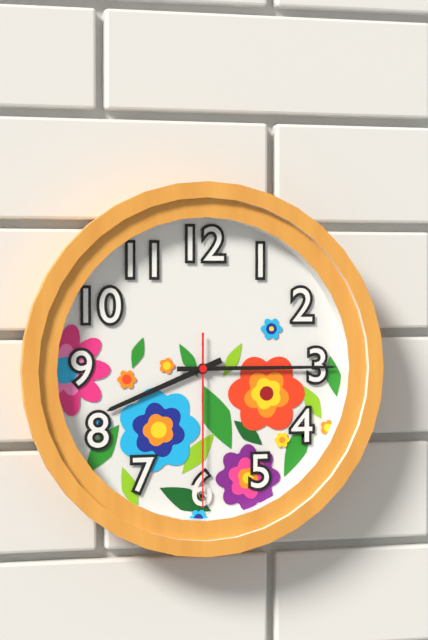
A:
h=8 m=15 s=30
